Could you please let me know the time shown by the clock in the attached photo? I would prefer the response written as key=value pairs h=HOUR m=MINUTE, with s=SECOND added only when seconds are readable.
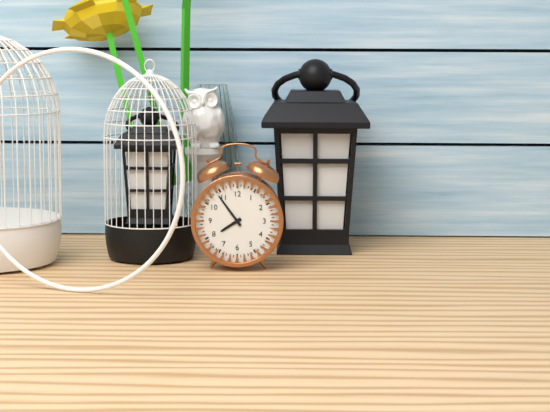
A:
h=7 m=54
